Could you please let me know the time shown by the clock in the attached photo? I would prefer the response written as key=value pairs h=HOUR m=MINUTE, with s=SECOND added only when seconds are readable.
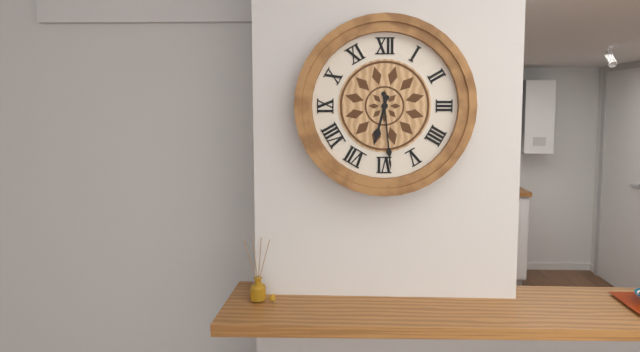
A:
h=6 m=29
